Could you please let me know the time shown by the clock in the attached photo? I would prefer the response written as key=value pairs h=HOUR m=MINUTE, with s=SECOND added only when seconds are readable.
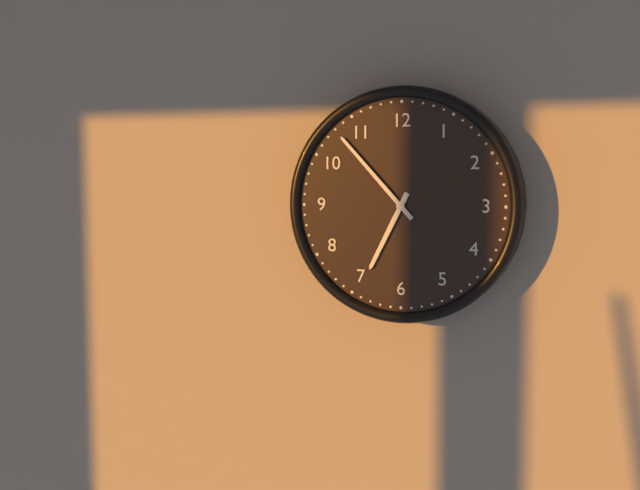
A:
h=6 m=53
